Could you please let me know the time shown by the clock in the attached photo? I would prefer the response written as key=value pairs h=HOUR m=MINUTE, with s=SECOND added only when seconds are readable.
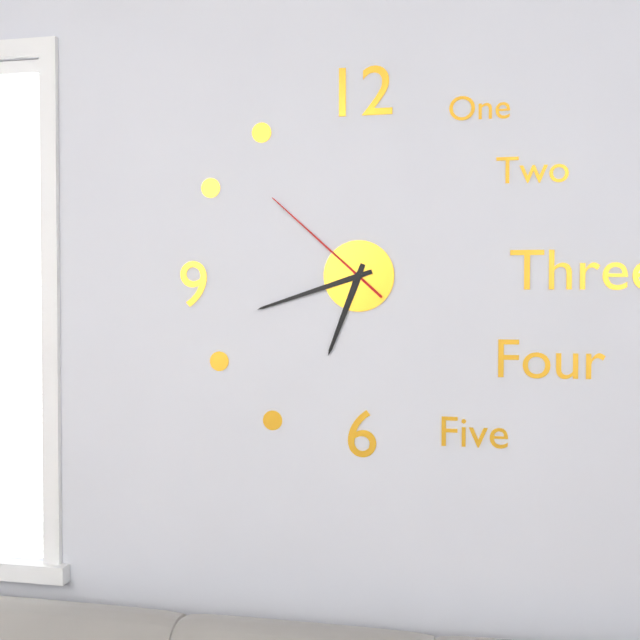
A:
h=6 m=42 s=52
